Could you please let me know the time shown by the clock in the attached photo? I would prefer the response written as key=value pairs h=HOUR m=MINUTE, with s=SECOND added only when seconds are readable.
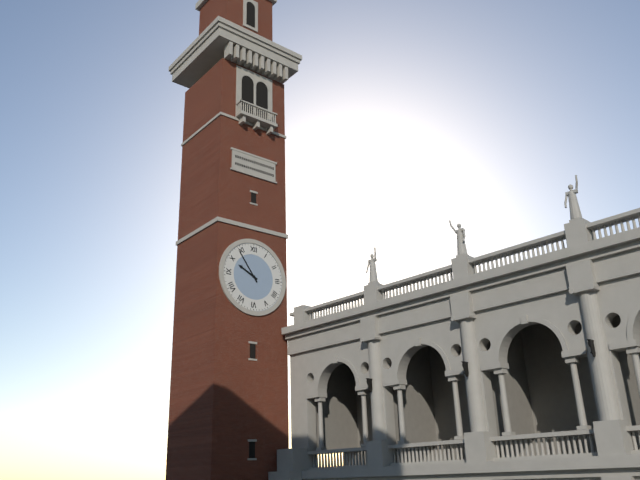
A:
h=9 m=54
